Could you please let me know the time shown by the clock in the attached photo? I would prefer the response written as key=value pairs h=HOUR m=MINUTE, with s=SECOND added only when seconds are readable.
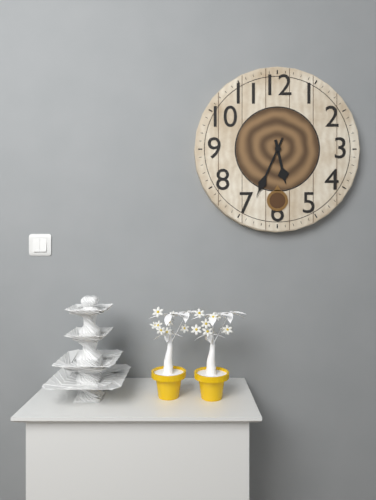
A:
h=5 m=34
